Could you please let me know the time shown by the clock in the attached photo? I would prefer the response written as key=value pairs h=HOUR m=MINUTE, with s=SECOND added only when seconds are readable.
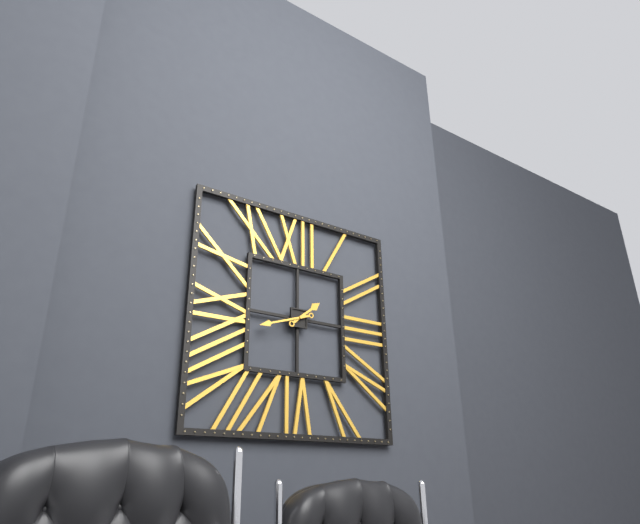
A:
h=1 m=42
